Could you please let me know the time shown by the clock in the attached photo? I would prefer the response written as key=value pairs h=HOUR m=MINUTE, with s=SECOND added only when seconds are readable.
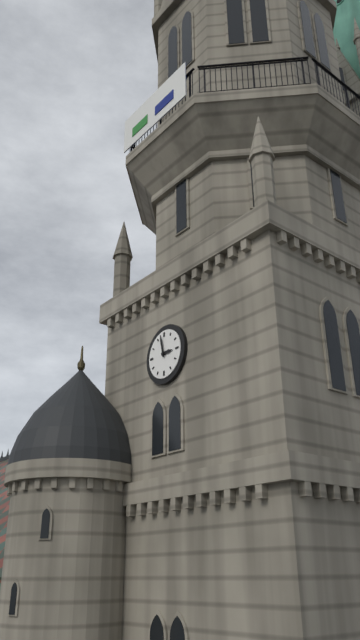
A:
h=2 m=58
